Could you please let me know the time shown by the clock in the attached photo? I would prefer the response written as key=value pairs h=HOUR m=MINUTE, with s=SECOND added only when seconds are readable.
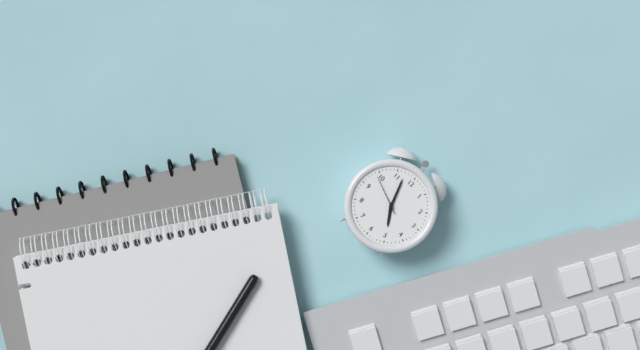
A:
h=4 m=57
